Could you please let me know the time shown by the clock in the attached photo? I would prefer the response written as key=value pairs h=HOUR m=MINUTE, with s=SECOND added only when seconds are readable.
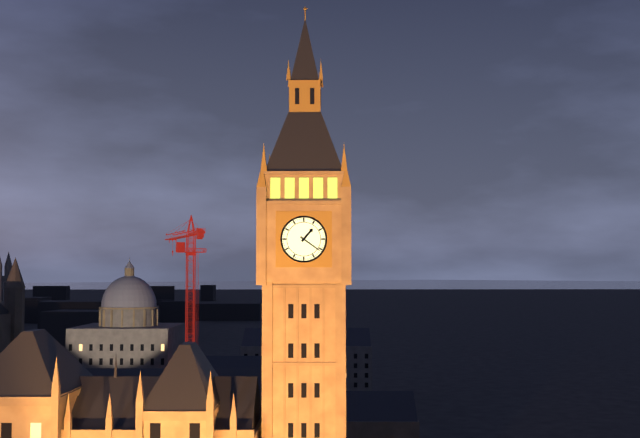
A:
h=1 m=21
